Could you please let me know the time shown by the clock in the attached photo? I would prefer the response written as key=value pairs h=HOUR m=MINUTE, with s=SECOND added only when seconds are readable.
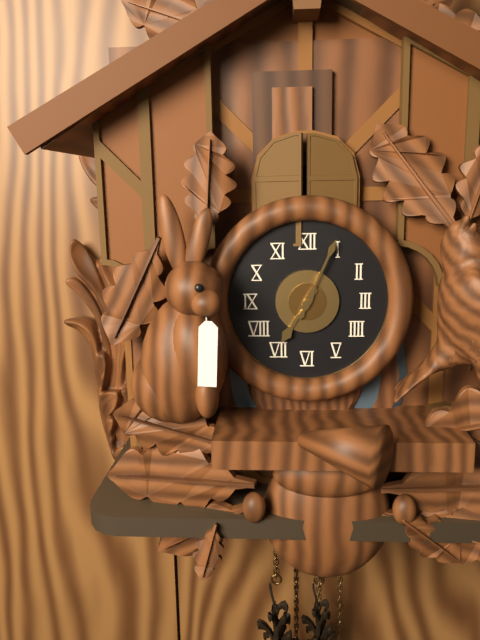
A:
h=7 m=4
